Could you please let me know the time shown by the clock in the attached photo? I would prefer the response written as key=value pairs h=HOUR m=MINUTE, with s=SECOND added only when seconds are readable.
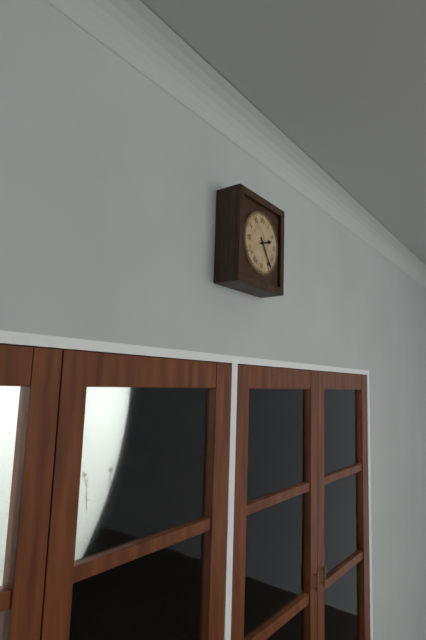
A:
h=2 m=24
